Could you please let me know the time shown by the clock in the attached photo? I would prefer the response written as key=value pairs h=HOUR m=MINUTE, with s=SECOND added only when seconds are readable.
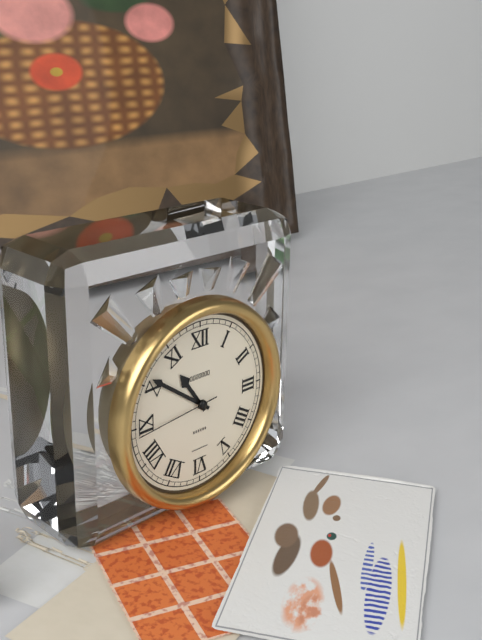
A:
h=10 m=51 s=44
